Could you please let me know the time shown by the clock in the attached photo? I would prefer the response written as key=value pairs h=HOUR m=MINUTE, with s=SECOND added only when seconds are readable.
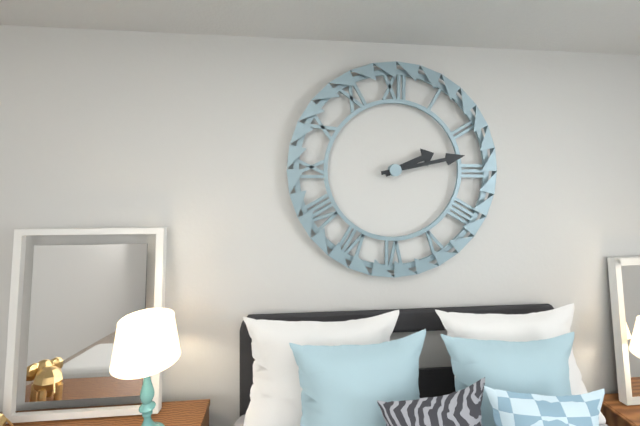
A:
h=2 m=13
